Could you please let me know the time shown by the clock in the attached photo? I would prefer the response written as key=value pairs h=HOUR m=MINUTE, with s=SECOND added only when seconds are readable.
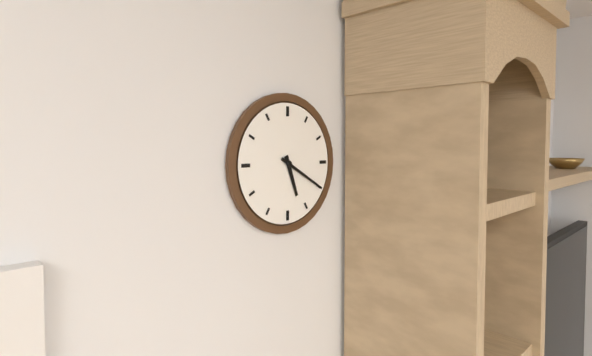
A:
h=5 m=20
